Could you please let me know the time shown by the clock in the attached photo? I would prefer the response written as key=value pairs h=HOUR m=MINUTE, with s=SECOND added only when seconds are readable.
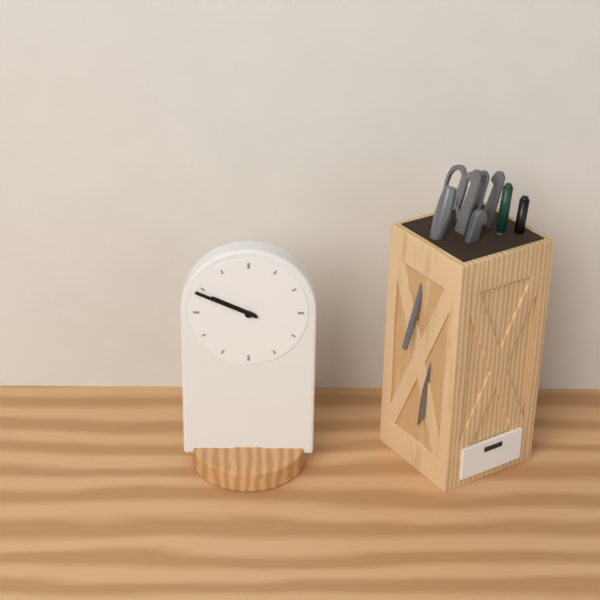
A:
h=9 m=49
